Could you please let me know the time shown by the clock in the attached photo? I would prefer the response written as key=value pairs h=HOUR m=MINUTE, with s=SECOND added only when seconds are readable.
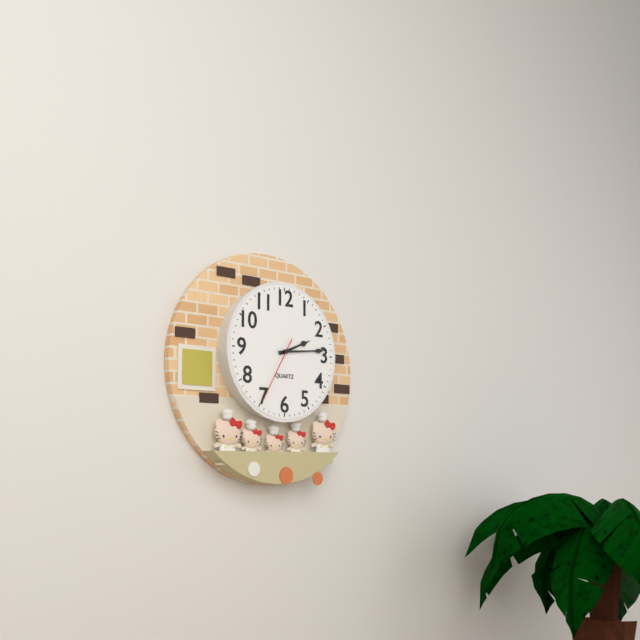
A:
h=2 m=14 s=35
